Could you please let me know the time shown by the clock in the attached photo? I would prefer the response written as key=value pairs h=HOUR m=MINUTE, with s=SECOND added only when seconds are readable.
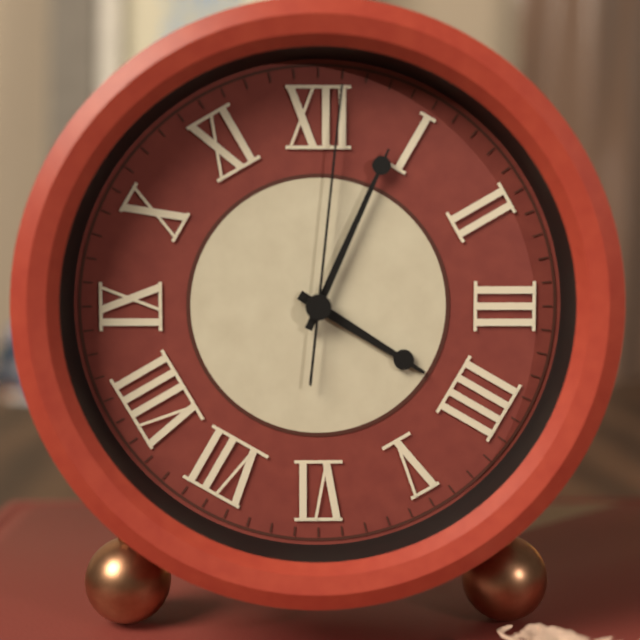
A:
h=4 m=4 s=1
